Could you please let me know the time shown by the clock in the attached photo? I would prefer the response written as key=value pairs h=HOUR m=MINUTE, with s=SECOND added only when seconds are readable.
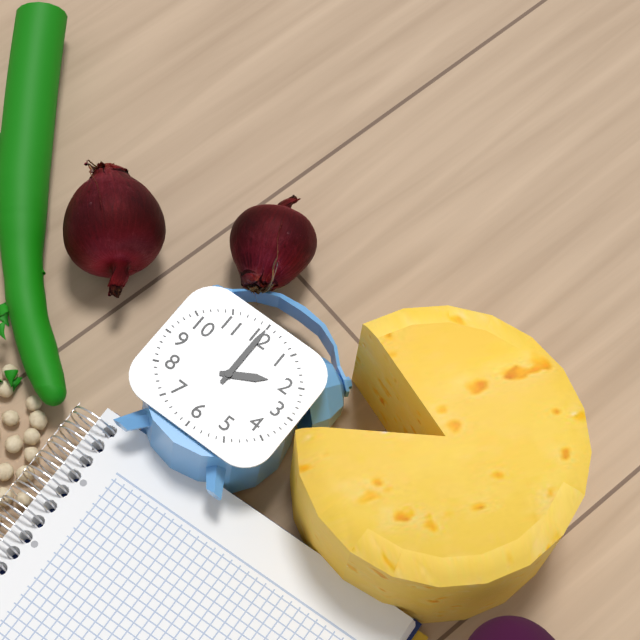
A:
h=2 m=0
